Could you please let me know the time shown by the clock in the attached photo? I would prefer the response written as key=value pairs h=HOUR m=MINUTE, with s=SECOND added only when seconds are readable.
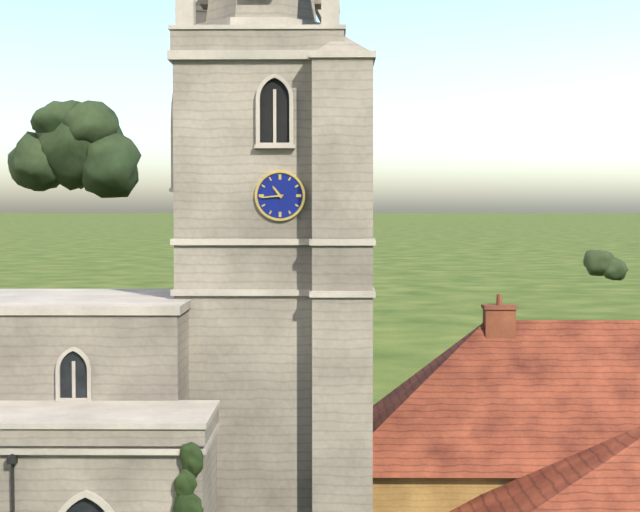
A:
h=10 m=44
